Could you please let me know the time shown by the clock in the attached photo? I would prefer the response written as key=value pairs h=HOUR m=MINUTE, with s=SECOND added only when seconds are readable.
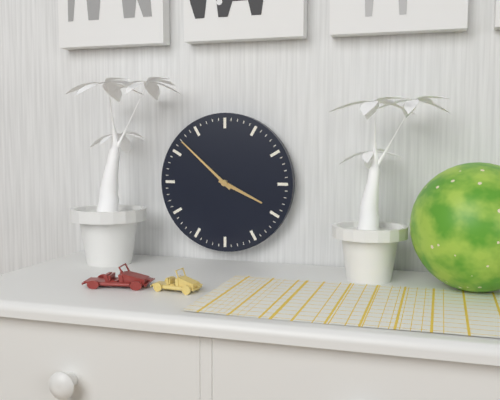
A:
h=3 m=52
